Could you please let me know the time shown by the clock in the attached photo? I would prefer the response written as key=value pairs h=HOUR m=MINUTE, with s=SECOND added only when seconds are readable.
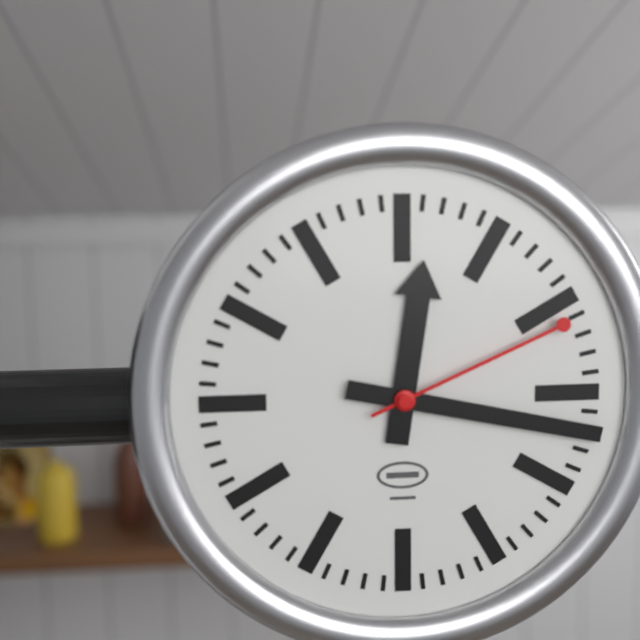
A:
h=12 m=17 s=11
